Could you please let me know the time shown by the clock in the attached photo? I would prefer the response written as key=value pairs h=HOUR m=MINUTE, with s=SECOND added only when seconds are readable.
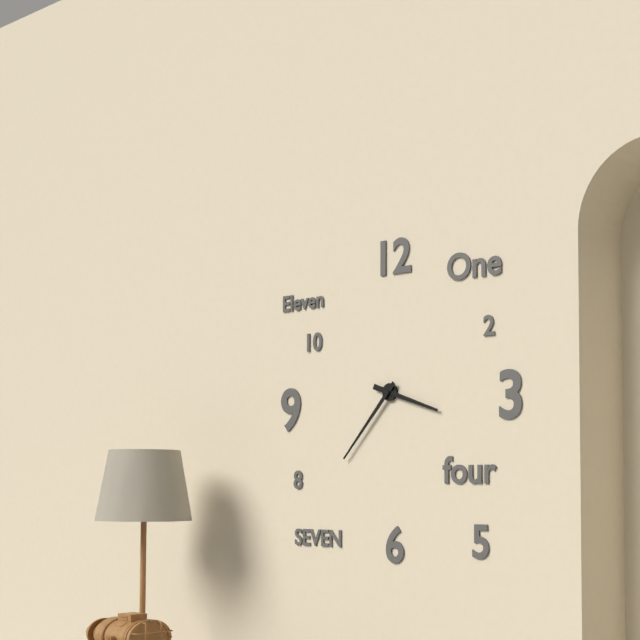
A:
h=3 m=37
